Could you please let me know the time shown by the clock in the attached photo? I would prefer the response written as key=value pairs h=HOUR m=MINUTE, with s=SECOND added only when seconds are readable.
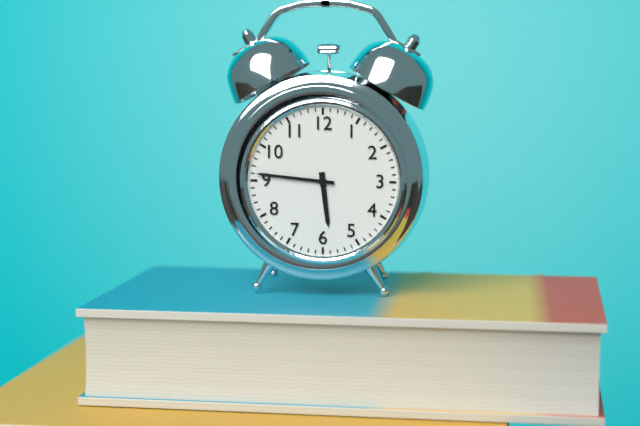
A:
h=5 m=46
